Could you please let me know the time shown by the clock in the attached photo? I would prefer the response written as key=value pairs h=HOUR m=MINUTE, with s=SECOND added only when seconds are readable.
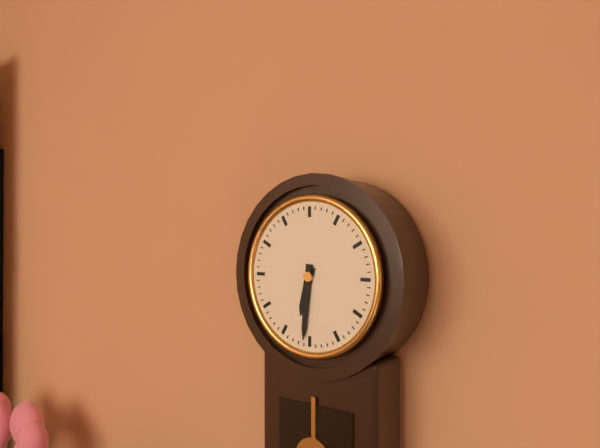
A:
h=6 m=31
